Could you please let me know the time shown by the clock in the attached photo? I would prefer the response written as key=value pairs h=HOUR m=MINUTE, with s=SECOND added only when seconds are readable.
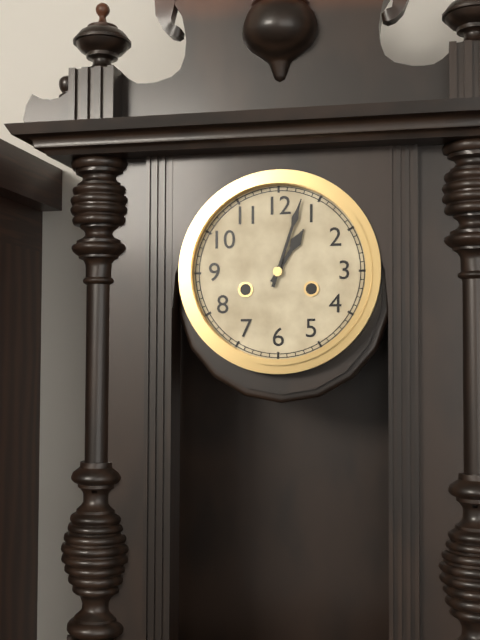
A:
h=1 m=3
